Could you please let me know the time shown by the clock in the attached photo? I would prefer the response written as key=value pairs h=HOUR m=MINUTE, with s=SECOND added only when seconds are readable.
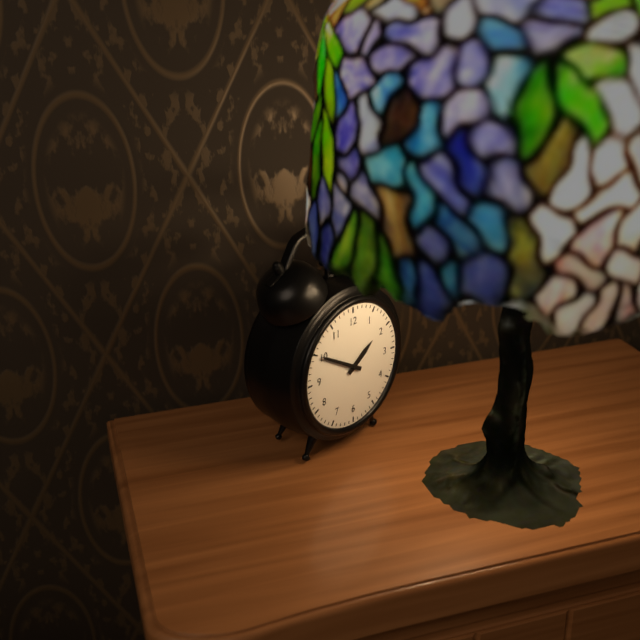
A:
h=1 m=50
